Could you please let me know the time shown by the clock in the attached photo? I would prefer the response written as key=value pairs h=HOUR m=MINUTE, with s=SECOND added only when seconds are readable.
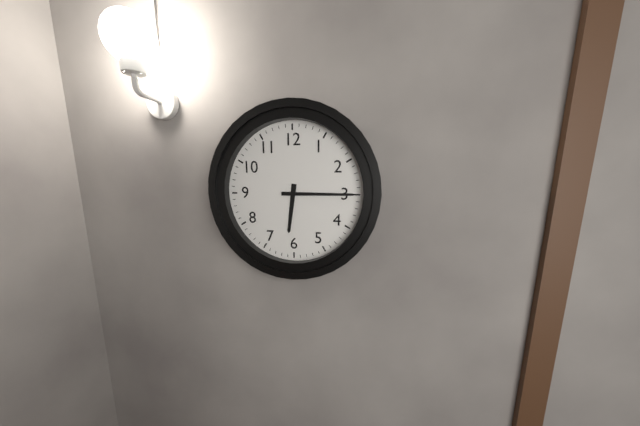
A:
h=6 m=15
